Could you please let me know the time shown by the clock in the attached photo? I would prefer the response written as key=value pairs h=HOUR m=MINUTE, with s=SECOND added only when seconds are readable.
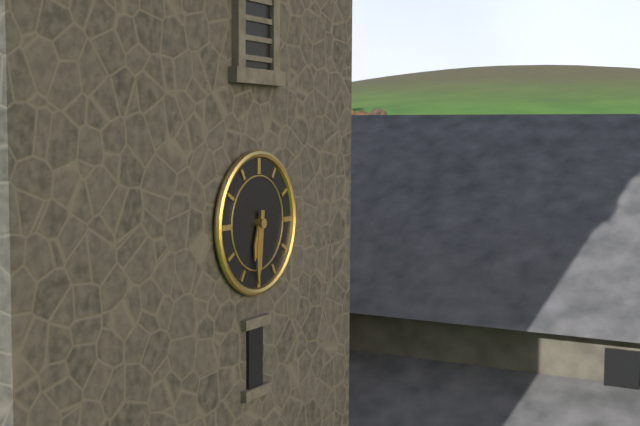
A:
h=6 m=31
